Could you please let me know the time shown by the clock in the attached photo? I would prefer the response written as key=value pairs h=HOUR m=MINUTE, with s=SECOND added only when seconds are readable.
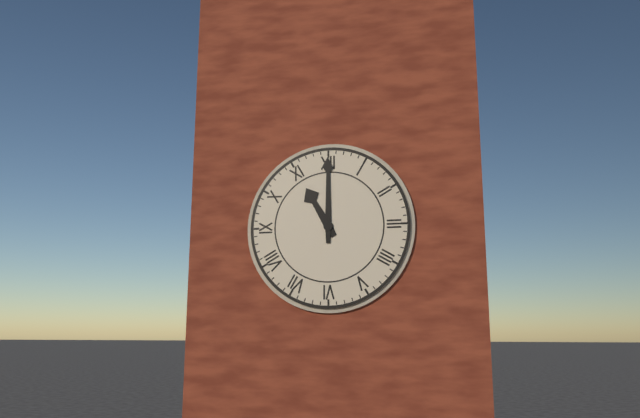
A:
h=11 m=0
